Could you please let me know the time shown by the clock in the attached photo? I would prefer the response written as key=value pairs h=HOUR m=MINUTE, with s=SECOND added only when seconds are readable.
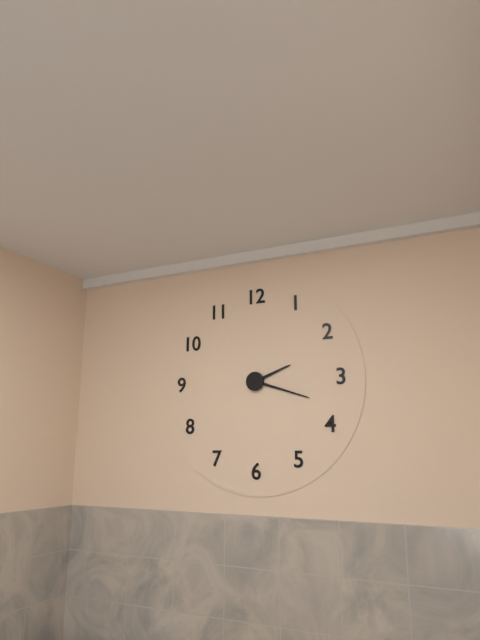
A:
h=2 m=18
